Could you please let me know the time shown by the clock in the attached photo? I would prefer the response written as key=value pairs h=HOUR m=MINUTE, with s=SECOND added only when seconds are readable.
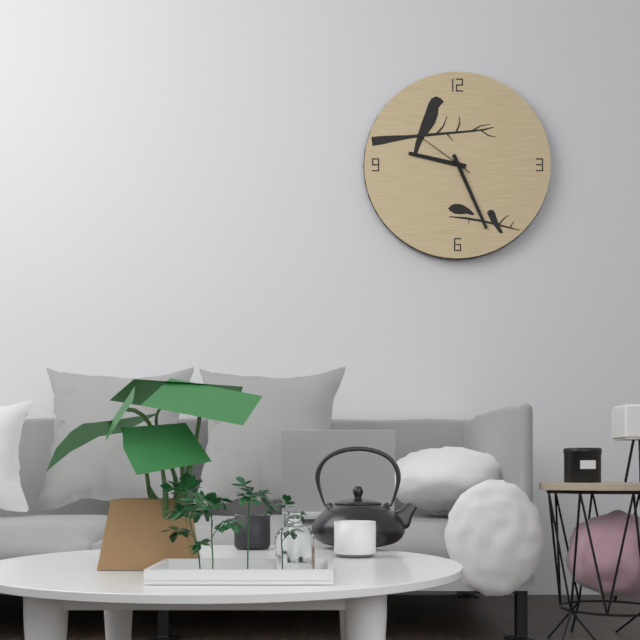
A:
h=9 m=26 s=51
